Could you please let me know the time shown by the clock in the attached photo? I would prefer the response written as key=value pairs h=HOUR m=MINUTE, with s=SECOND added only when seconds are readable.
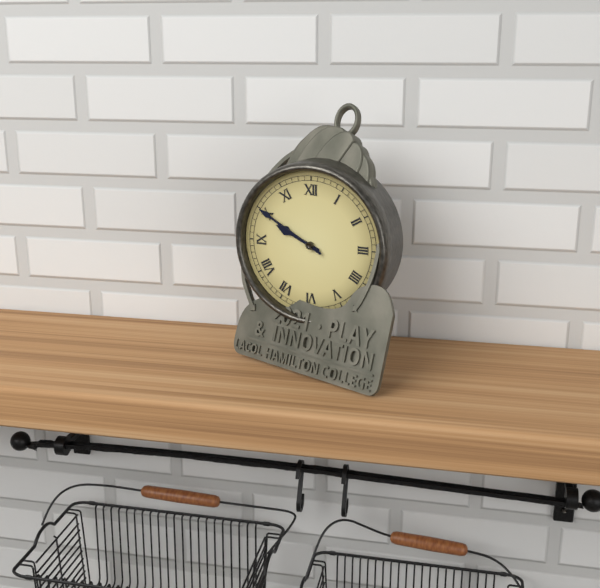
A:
h=9 m=50
